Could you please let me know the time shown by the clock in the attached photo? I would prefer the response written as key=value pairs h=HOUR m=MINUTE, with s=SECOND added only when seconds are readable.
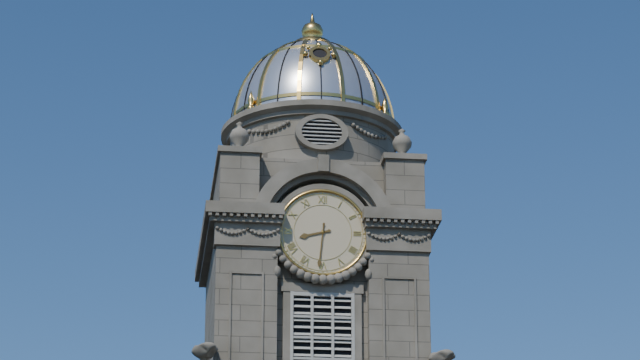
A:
h=8 m=31
